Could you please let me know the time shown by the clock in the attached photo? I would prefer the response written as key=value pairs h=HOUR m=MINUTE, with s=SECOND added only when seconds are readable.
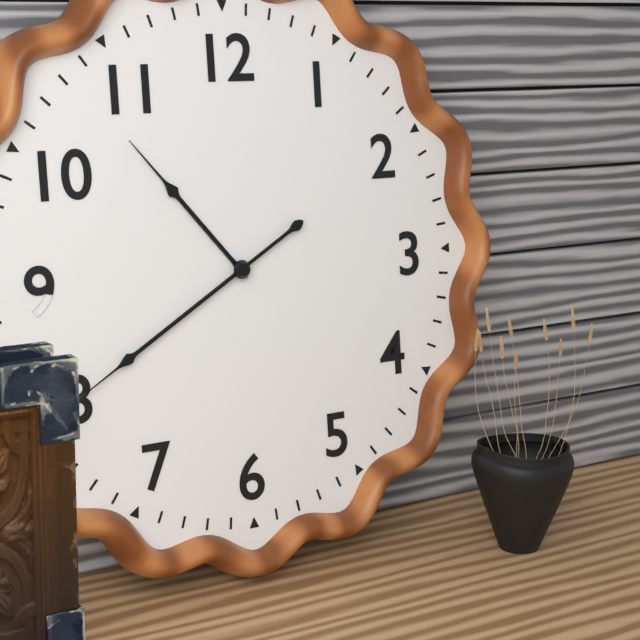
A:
h=10 m=40
